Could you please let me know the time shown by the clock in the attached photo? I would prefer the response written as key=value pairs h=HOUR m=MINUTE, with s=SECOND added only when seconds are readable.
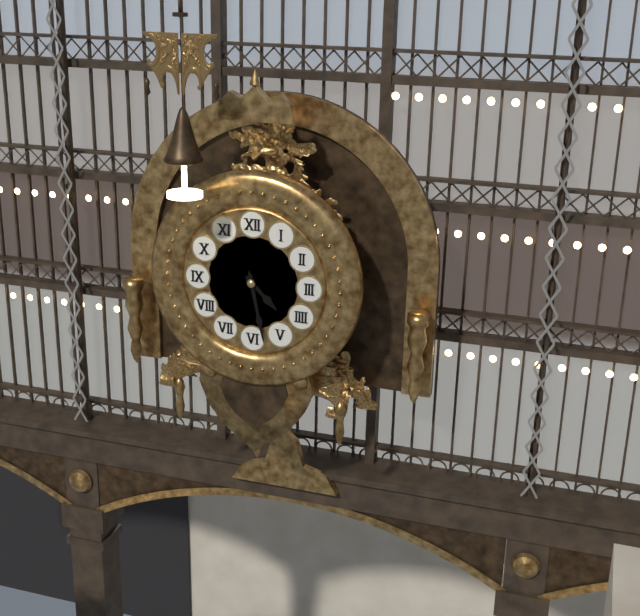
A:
h=4 m=28
